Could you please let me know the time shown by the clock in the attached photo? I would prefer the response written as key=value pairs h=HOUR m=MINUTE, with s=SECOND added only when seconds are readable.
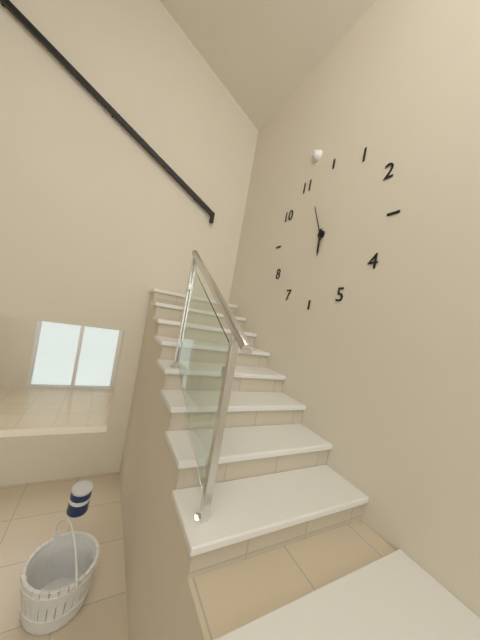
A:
h=5 m=56
